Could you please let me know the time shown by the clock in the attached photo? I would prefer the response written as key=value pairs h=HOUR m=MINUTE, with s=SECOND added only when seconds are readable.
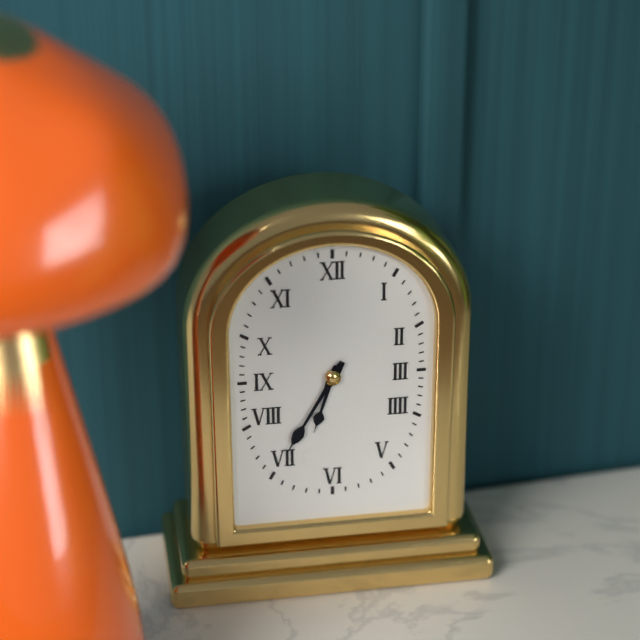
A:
h=6 m=35
